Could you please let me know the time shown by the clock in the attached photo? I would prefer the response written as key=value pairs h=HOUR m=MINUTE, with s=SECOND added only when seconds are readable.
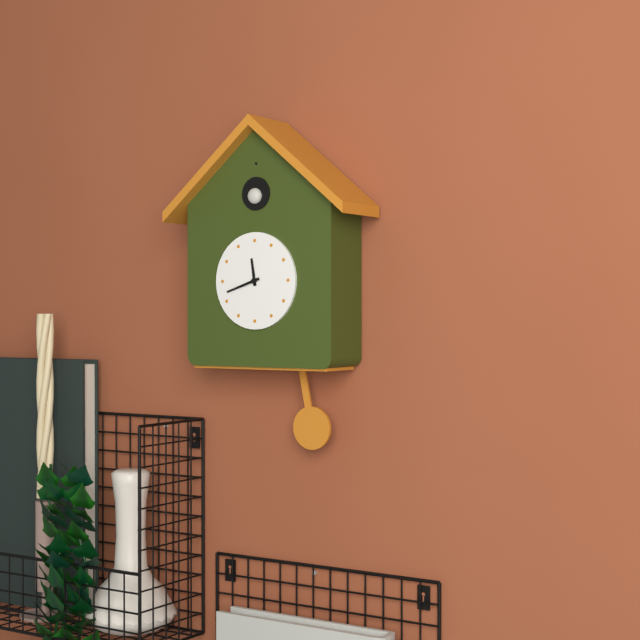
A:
h=11 m=42
